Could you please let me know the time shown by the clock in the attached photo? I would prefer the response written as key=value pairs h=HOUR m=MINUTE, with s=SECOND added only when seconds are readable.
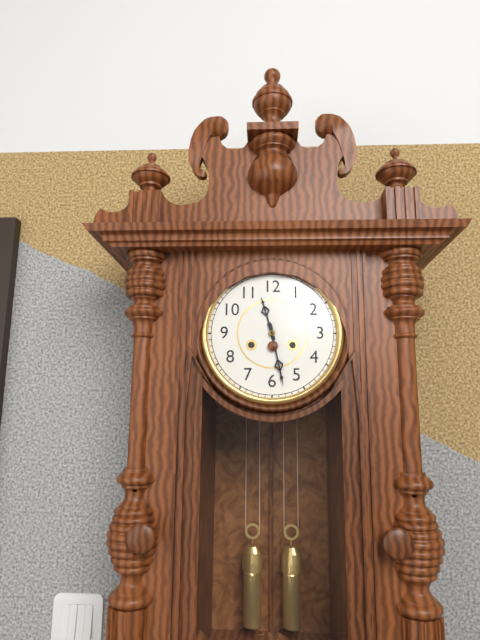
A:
h=11 m=28
